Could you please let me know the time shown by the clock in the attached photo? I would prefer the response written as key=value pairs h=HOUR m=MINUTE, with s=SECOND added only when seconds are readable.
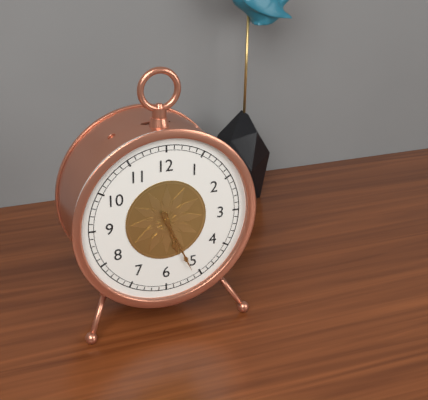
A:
h=5 m=26
